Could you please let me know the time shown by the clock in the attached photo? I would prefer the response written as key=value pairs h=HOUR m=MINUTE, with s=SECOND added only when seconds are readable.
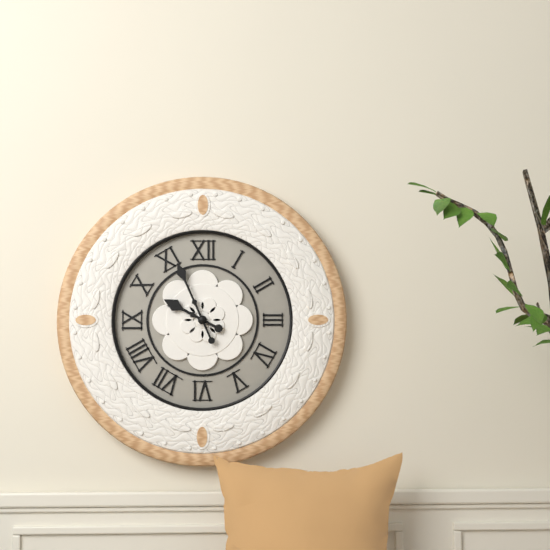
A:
h=9 m=56
